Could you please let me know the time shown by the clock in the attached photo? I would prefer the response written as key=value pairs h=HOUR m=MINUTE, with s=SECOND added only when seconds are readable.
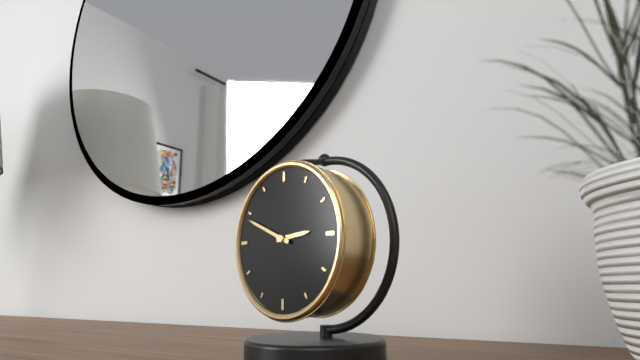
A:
h=2 m=49
